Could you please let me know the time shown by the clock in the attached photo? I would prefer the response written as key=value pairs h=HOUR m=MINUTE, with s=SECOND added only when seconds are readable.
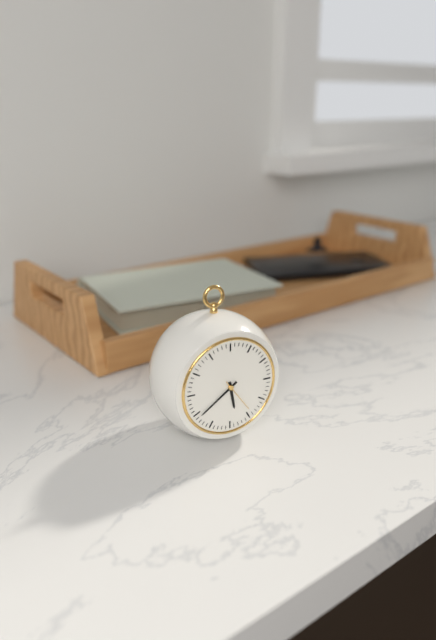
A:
h=5 m=39
